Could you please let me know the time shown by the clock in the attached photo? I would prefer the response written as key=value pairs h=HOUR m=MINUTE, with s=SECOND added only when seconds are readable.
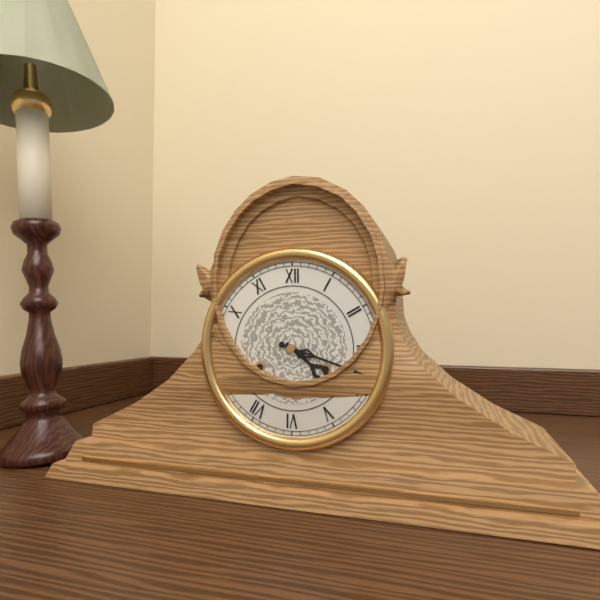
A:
h=4 m=18
